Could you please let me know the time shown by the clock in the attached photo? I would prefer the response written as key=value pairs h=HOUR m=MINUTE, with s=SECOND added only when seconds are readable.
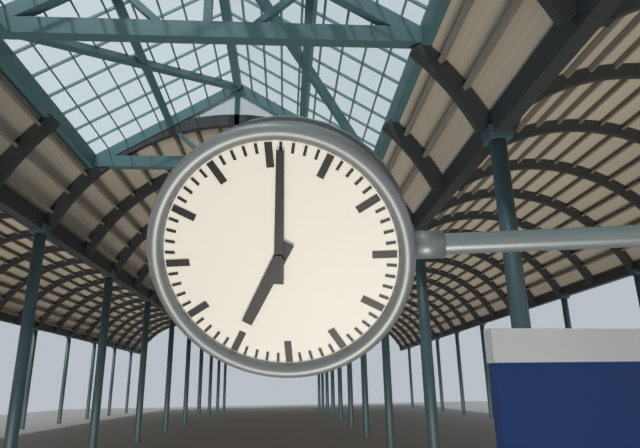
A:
h=7 m=1
